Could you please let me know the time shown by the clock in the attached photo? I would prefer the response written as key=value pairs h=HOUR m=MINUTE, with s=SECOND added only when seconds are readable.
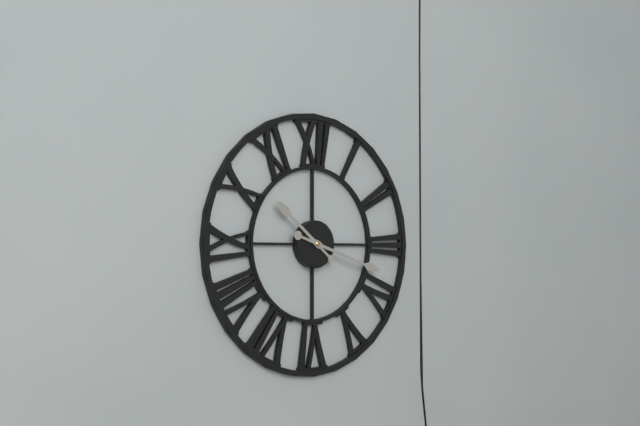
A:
h=10 m=18
